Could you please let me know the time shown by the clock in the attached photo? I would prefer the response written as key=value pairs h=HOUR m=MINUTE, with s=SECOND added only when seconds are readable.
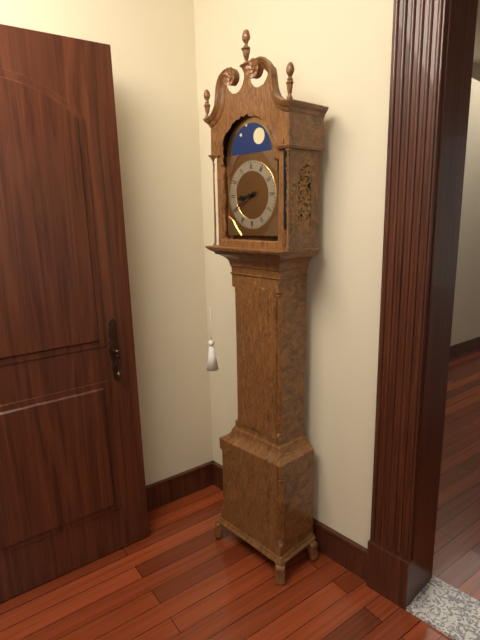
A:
h=8 m=40
